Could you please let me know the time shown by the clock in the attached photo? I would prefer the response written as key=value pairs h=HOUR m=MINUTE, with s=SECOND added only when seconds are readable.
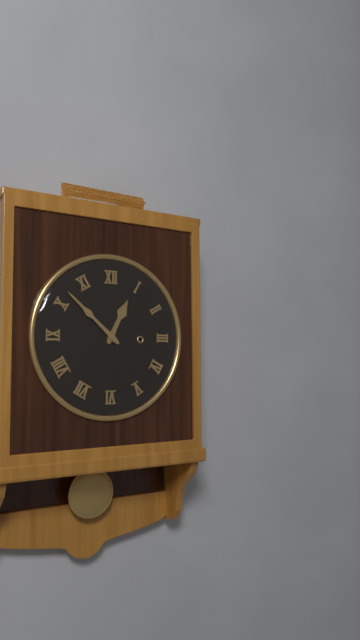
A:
h=12 m=52
